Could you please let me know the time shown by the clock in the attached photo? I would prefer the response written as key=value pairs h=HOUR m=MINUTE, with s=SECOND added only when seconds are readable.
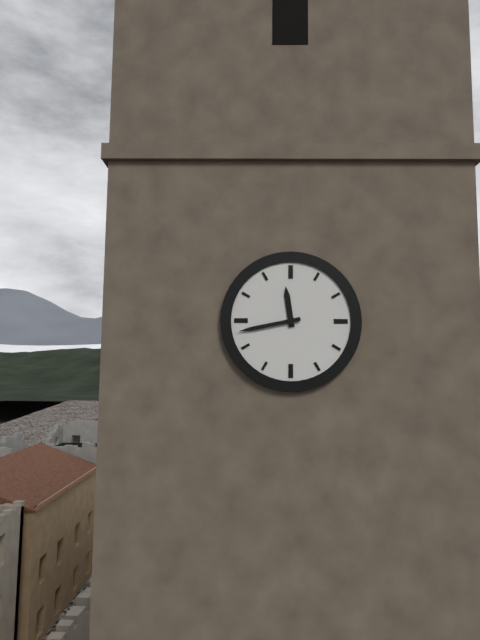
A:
h=11 m=43
